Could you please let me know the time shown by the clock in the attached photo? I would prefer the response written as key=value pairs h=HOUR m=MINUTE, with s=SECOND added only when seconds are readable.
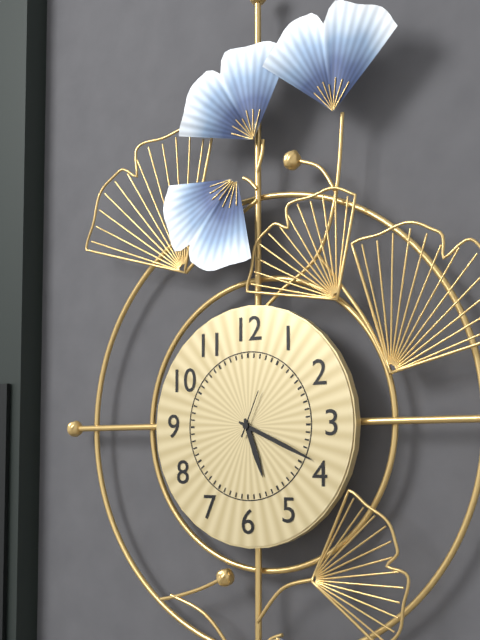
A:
h=5 m=19
